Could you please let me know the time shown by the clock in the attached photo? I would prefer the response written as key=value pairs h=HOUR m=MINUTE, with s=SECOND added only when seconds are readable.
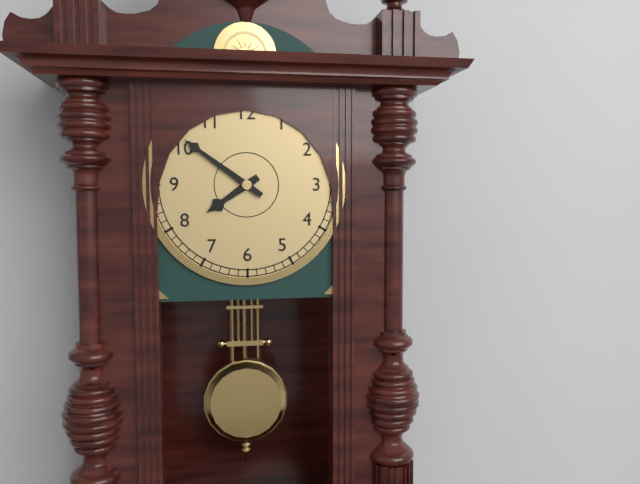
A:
h=7 m=51
